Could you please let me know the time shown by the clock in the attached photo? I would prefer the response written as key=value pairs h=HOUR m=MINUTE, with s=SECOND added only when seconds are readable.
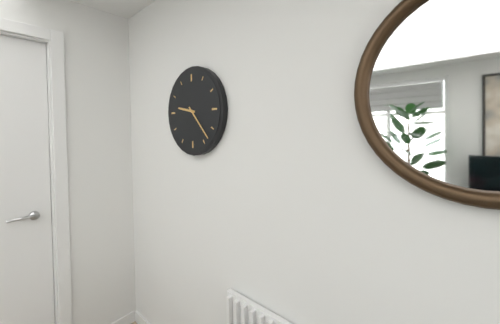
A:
h=9 m=23
